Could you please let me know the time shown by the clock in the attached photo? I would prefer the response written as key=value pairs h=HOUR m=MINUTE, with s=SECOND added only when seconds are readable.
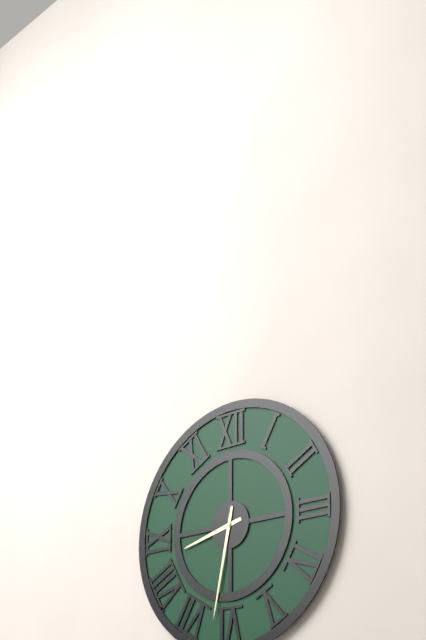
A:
h=8 m=32
